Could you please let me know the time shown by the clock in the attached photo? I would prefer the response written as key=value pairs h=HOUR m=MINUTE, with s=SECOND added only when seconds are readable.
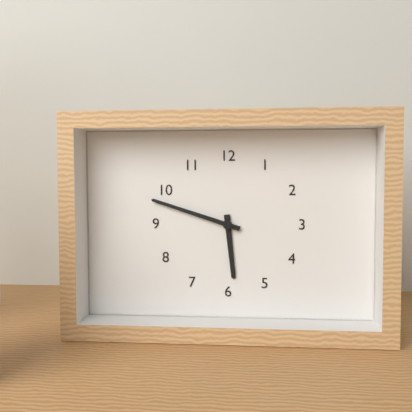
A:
h=5 m=48
